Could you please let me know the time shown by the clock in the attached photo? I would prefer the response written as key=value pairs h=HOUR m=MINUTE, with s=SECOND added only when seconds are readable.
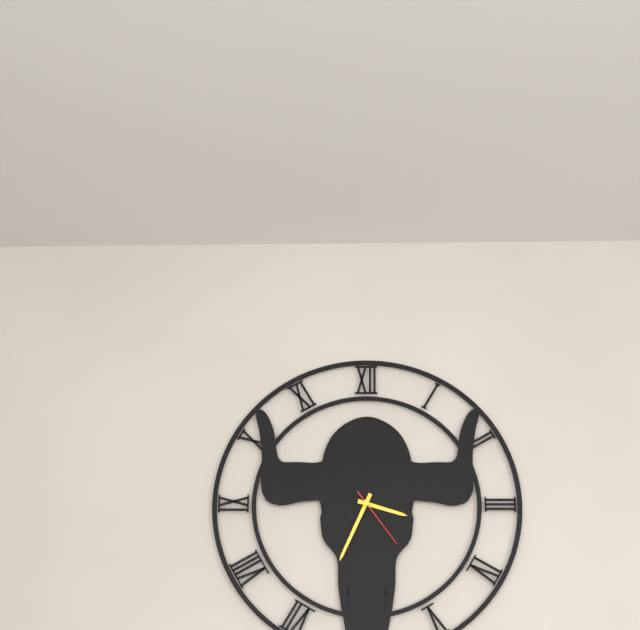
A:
h=3 m=34 s=24
